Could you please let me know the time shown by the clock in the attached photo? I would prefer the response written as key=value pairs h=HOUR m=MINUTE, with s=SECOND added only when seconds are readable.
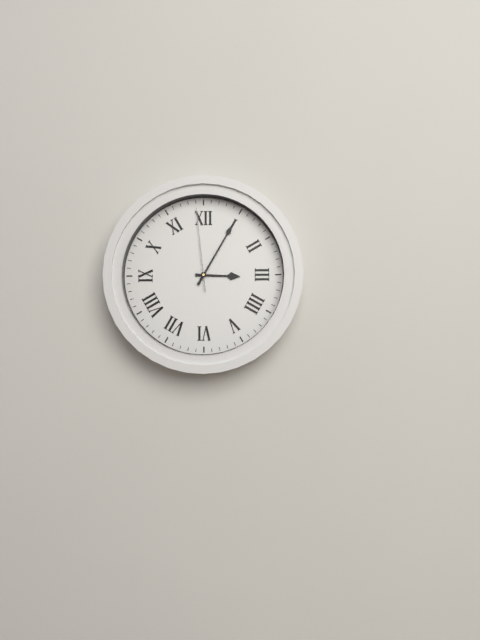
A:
h=3 m=5 s=59
